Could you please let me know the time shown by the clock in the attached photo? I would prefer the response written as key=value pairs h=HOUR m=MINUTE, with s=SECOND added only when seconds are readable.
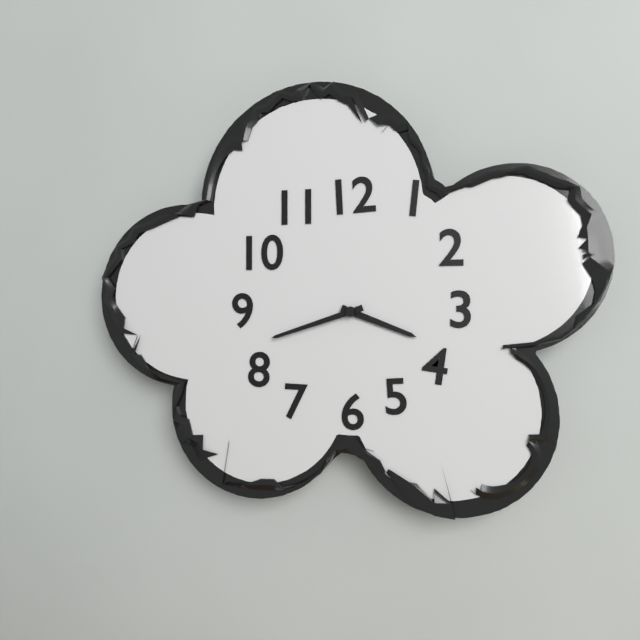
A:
h=3 m=42
